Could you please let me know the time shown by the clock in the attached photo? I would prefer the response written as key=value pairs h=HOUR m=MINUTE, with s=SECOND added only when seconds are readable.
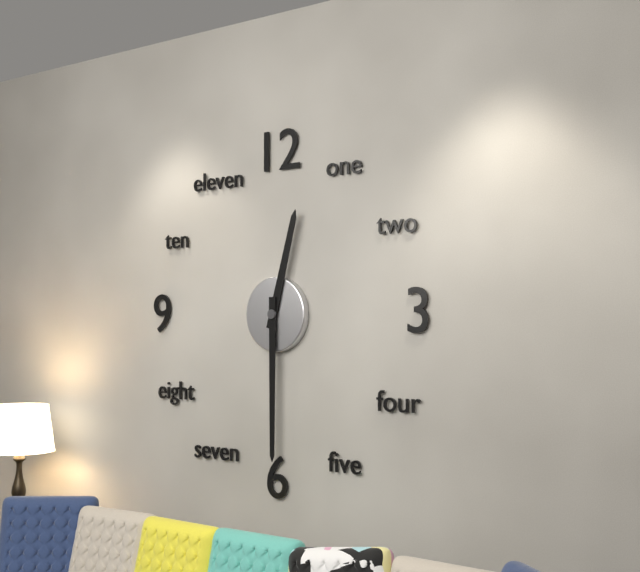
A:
h=12 m=30
